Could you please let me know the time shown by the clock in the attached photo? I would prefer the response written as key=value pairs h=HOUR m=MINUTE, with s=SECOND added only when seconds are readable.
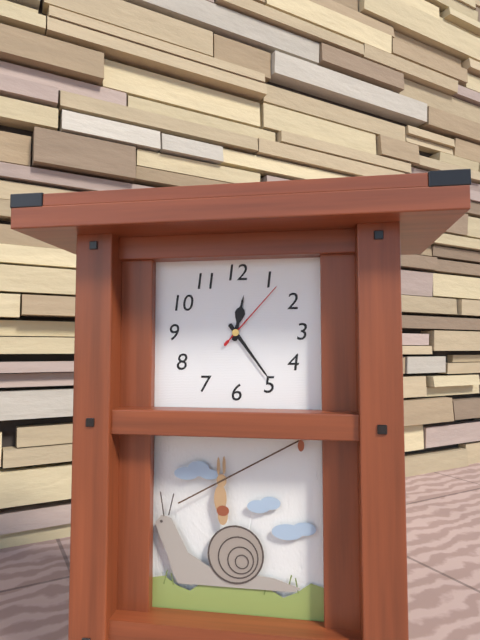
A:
h=12 m=24 s=7
